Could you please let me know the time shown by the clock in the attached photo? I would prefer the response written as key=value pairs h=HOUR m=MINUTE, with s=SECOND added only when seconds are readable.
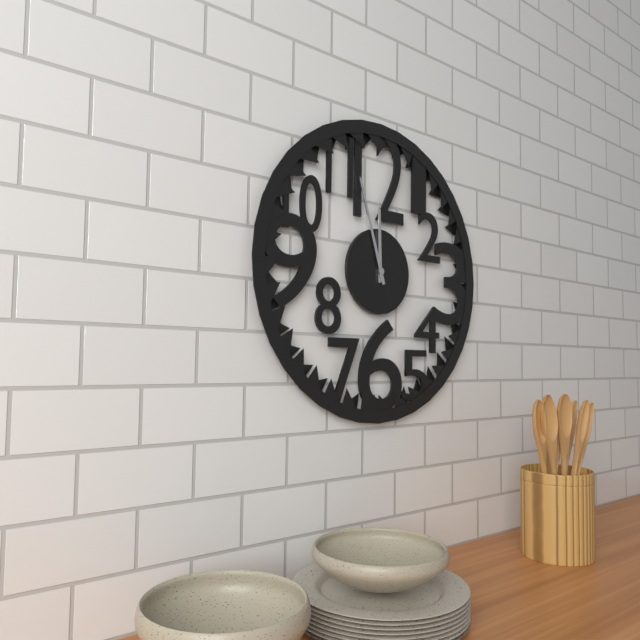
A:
h=11 m=57
